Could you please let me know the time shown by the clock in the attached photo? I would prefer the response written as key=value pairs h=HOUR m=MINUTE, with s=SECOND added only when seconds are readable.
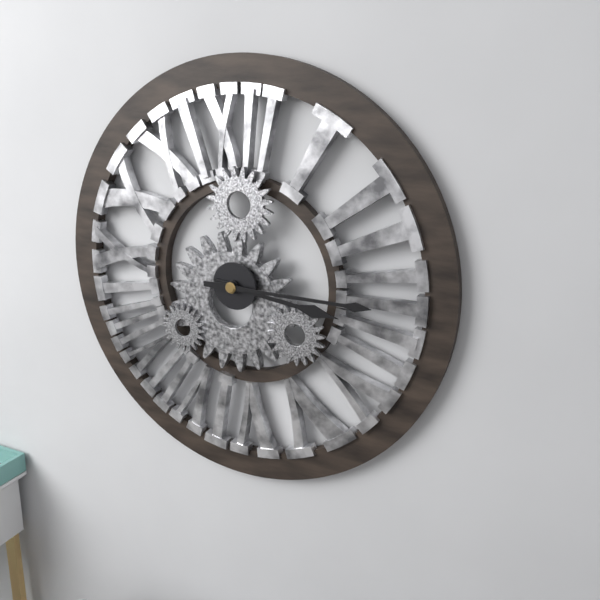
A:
h=3 m=15
